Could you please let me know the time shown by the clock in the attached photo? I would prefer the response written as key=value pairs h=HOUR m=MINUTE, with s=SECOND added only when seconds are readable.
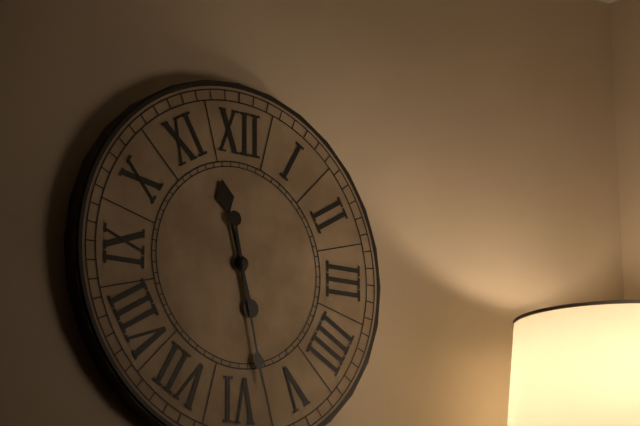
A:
h=11 m=28
